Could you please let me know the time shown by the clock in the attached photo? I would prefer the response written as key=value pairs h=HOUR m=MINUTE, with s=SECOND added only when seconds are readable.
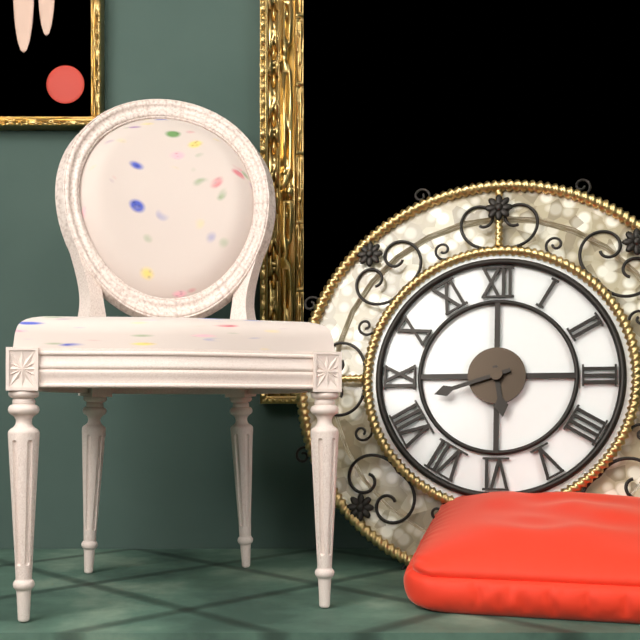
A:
h=5 m=42
